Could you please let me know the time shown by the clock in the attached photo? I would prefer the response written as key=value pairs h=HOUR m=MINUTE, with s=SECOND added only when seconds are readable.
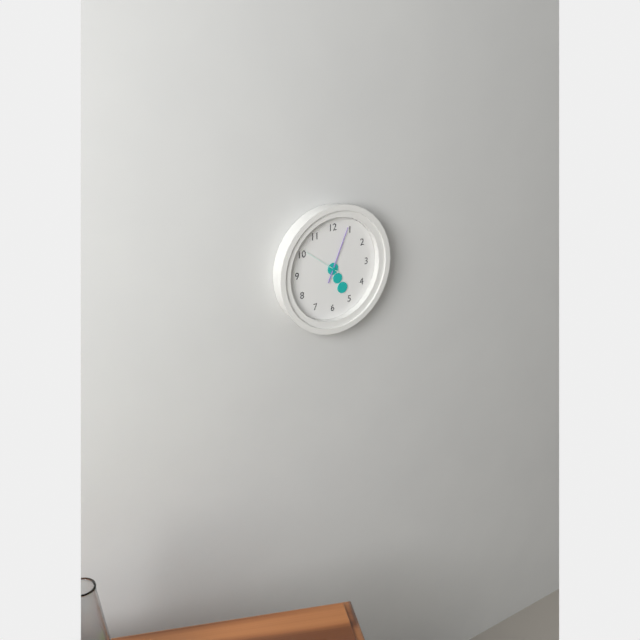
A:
h=5 m=4
